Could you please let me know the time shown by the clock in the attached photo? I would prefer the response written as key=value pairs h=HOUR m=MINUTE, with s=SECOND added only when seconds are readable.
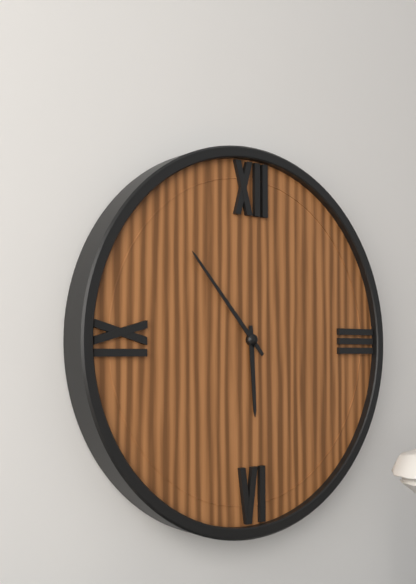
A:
h=5 m=53
